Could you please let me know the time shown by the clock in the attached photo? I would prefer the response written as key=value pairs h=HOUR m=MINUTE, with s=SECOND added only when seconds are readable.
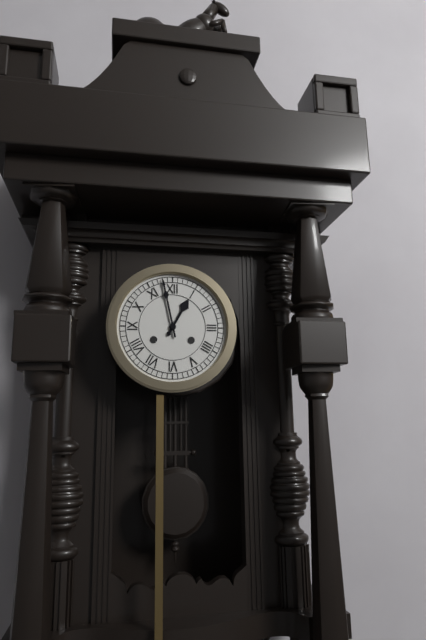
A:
h=12 m=58
